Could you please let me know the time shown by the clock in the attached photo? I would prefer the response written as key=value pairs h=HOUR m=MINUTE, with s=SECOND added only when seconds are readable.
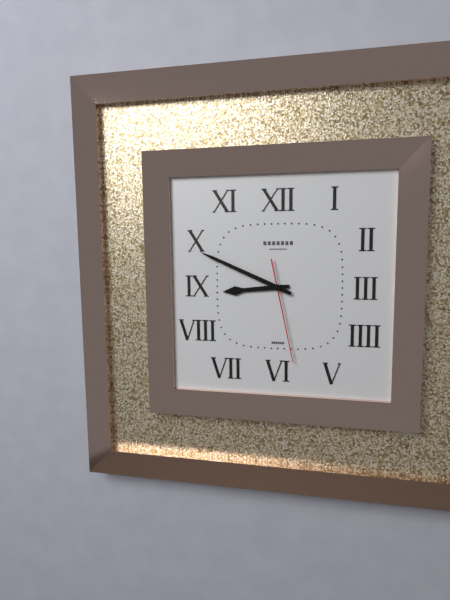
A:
h=8 m=49 s=28
